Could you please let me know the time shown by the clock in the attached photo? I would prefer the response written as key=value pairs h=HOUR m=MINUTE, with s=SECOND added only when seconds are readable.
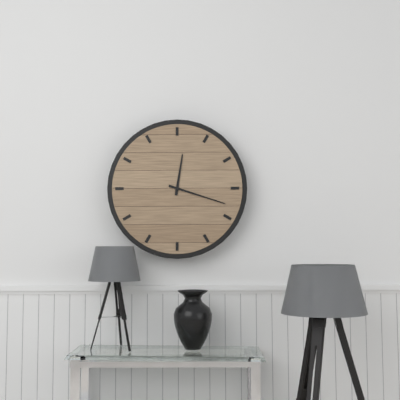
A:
h=12 m=18
